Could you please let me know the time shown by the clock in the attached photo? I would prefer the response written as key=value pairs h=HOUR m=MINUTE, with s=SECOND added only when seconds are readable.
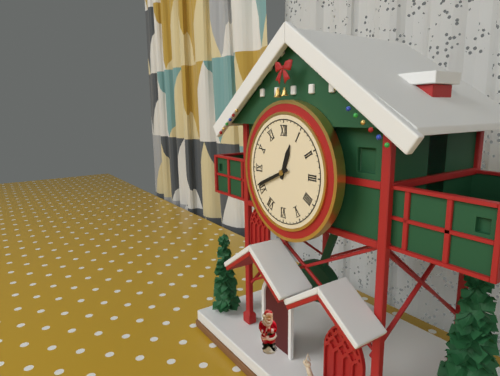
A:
h=12 m=41
